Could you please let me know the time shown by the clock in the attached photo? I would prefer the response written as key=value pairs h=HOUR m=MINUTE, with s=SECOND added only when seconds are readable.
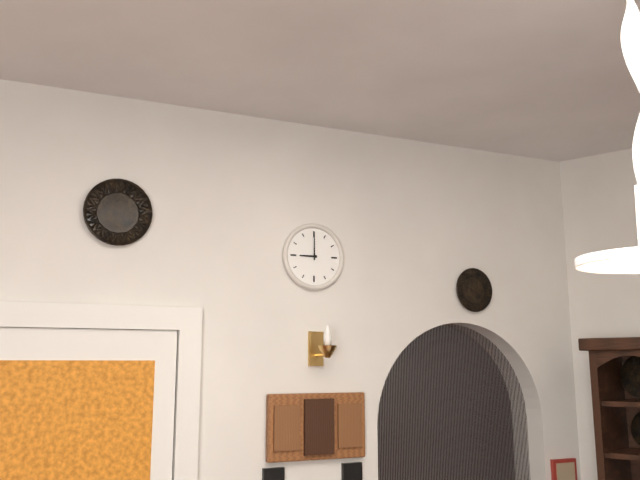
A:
h=9 m=0
